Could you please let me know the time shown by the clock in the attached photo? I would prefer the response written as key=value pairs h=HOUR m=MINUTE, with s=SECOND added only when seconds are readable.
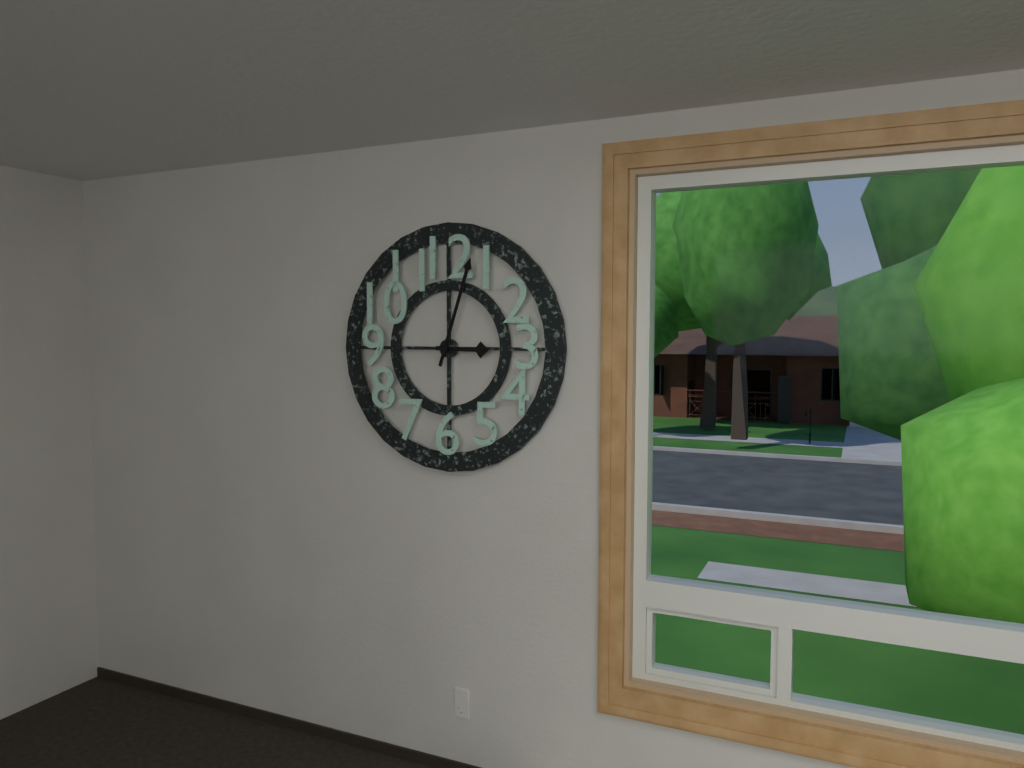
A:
h=3 m=3
